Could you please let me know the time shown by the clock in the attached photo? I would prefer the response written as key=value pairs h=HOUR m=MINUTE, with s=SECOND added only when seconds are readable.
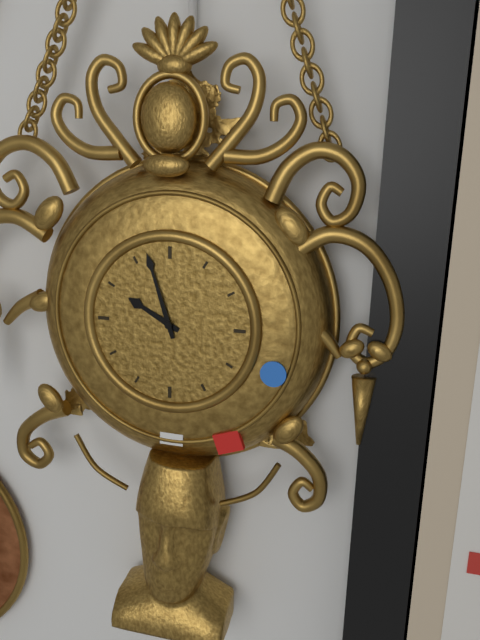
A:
h=9 m=57
